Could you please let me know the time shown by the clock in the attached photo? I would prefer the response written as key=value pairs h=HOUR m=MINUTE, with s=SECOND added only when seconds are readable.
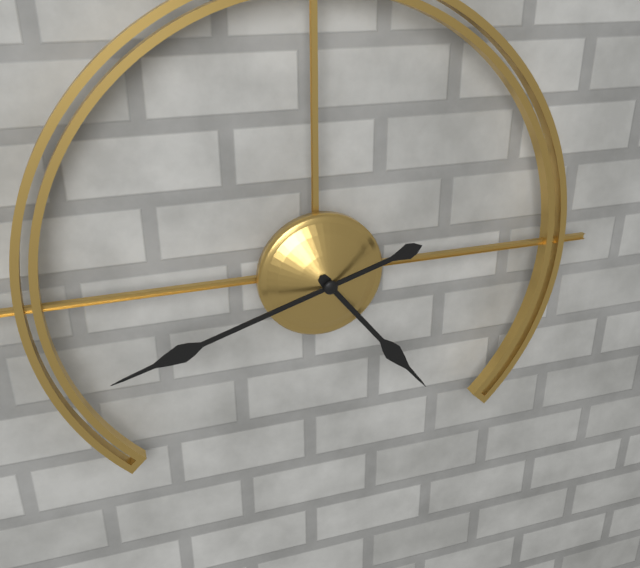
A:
h=4 m=42
